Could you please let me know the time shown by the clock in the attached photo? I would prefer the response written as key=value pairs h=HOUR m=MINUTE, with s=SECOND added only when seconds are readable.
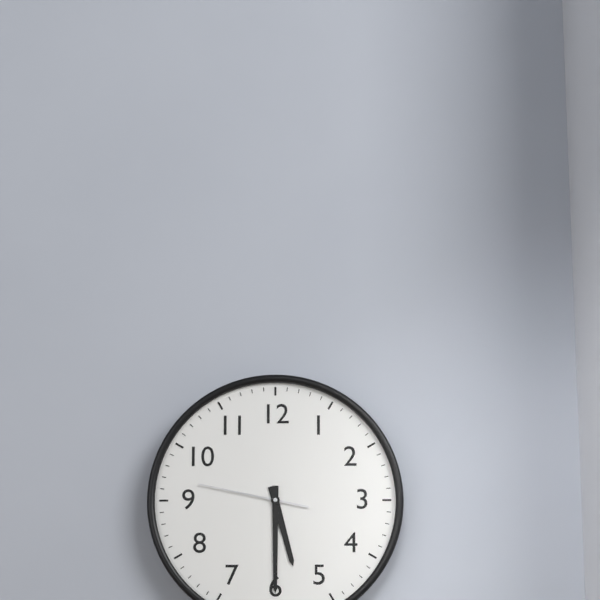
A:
h=5 m=30 s=47
